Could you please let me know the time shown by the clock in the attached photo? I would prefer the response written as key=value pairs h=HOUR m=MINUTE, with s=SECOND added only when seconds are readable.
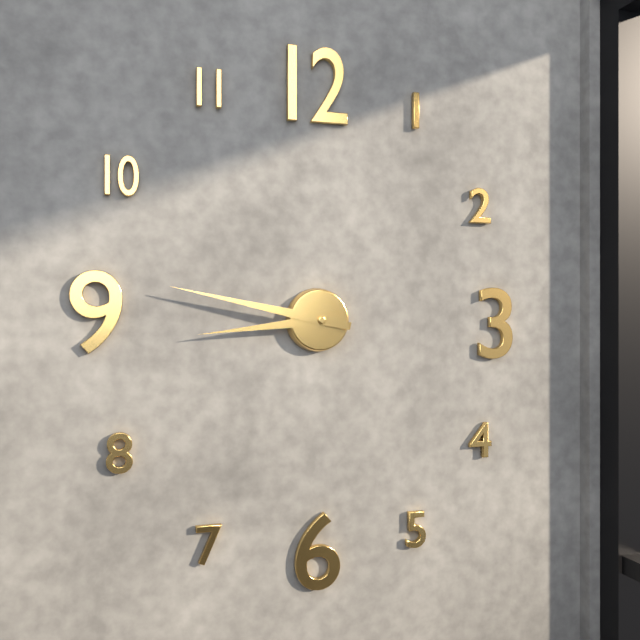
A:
h=8 m=47
